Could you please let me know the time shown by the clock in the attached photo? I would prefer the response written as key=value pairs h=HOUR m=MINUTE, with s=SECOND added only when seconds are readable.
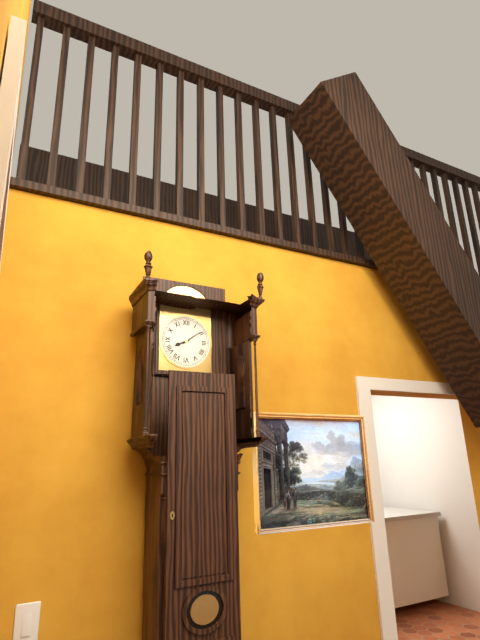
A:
h=8 m=9
